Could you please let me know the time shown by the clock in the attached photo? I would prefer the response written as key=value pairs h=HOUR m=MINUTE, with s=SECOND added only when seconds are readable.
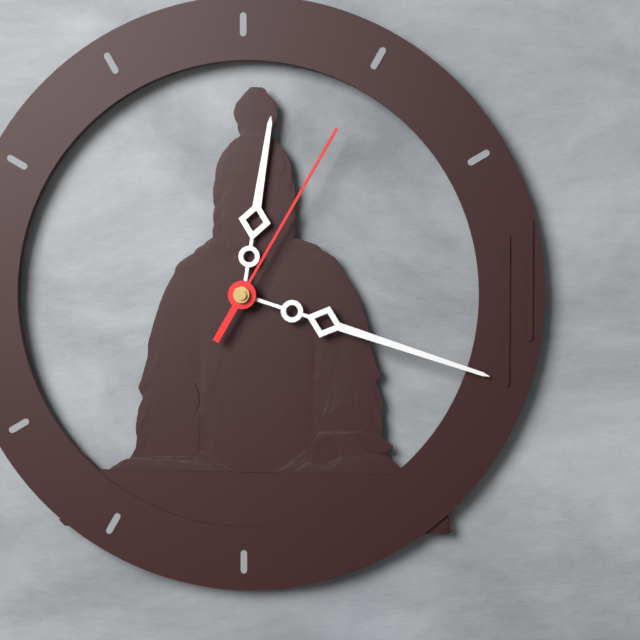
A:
h=12 m=18 s=5
